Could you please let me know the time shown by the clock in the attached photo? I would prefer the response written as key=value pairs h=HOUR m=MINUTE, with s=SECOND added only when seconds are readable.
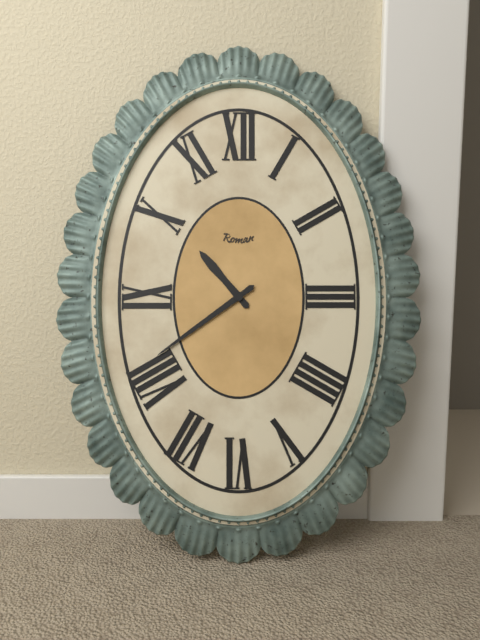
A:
h=10 m=39
